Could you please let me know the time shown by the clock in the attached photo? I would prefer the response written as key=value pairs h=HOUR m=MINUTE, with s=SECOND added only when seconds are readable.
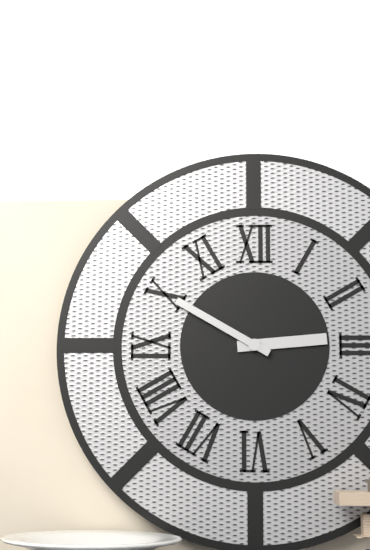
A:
h=2 m=50
